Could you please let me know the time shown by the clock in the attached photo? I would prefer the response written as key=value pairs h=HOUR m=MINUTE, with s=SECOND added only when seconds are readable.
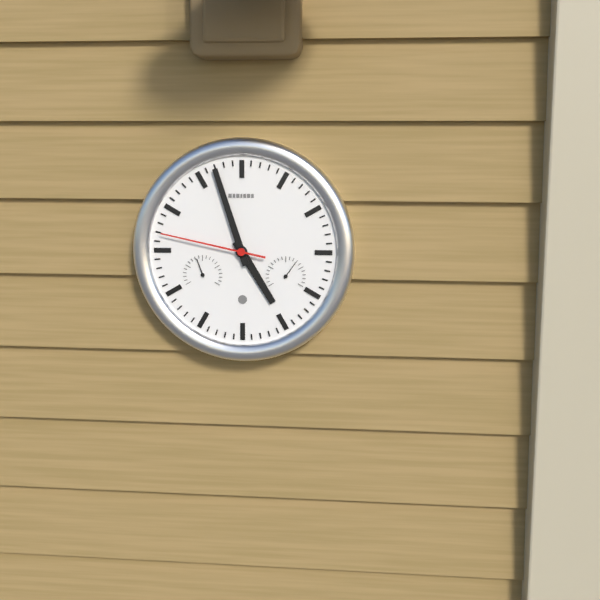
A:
h=4 m=57 s=47
